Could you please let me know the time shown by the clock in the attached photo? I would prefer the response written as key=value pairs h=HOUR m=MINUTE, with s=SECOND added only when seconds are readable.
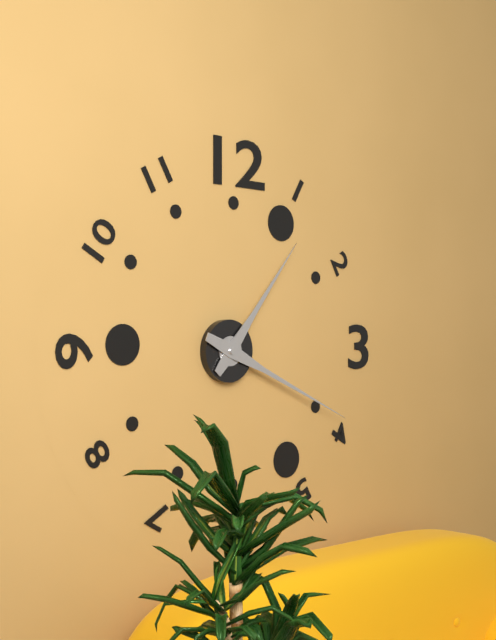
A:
h=1 m=19
